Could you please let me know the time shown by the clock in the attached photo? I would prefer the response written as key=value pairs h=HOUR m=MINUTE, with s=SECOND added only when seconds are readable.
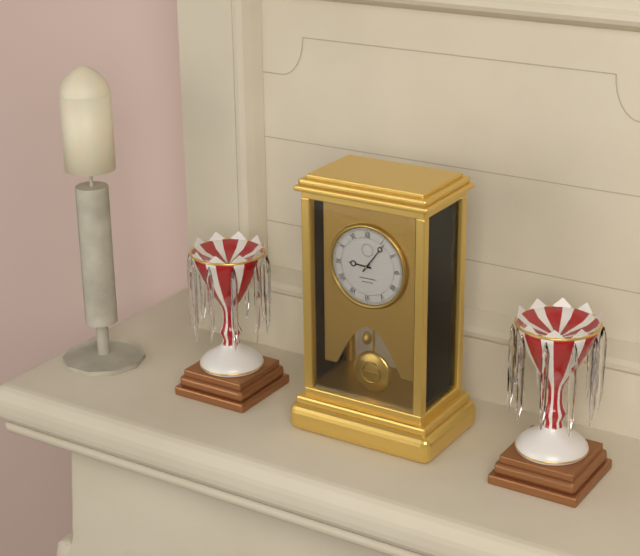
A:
h=9 m=6
